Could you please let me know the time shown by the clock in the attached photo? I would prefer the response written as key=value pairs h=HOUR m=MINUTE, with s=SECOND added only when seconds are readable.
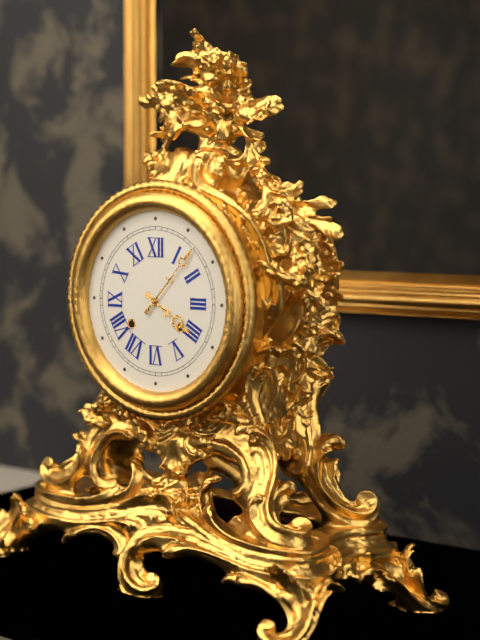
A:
h=4 m=7
